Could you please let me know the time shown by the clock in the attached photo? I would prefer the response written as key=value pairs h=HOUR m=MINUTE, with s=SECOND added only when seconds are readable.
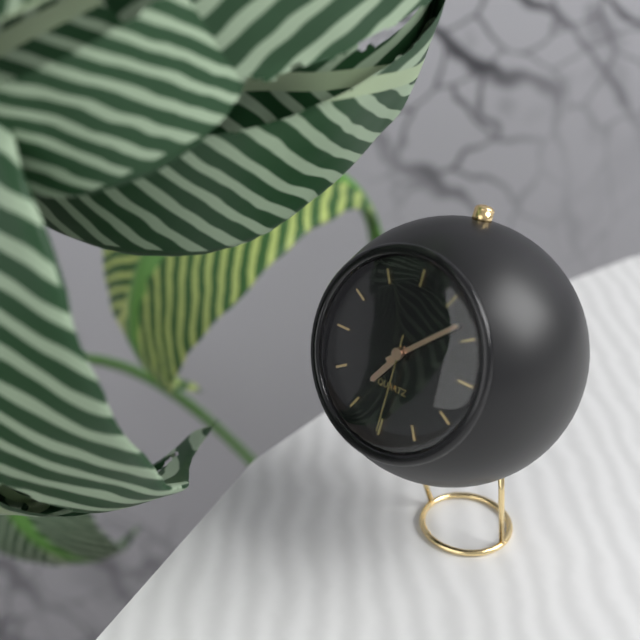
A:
h=7 m=8 s=30
